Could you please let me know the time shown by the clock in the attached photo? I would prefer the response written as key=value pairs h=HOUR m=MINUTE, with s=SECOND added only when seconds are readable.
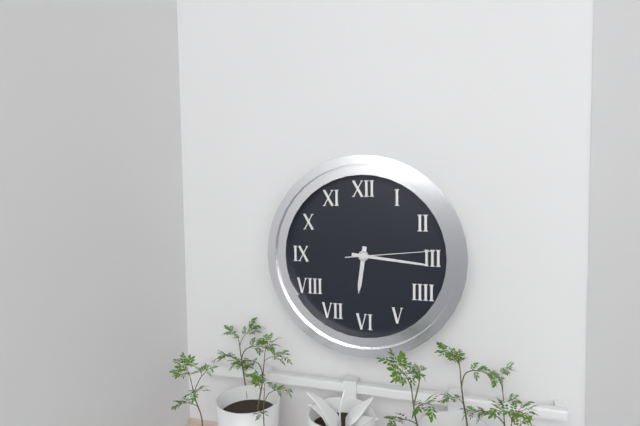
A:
h=6 m=16 s=14
